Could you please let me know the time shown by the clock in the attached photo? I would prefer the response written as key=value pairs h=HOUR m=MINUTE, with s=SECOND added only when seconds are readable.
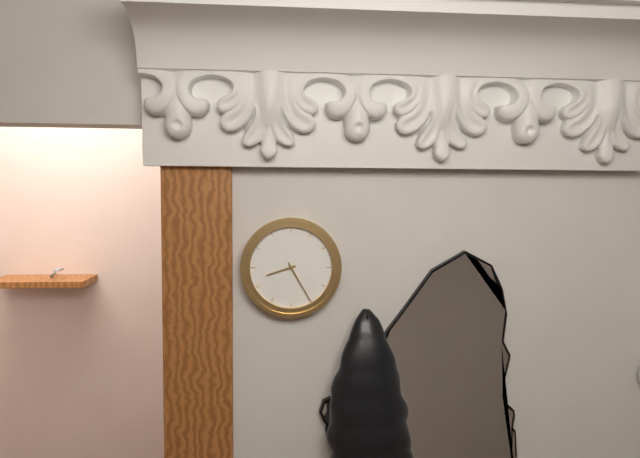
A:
h=8 m=25
